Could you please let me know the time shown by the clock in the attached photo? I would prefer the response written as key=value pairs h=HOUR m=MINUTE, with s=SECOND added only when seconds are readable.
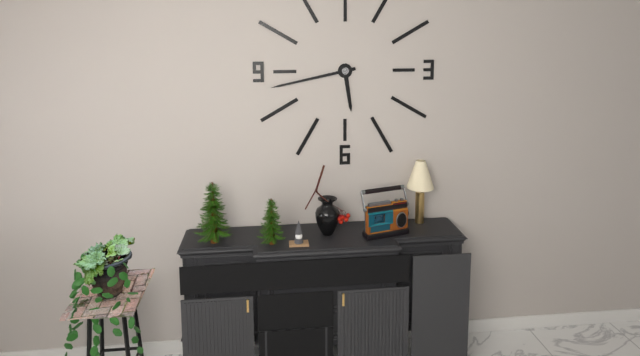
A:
h=5 m=43
